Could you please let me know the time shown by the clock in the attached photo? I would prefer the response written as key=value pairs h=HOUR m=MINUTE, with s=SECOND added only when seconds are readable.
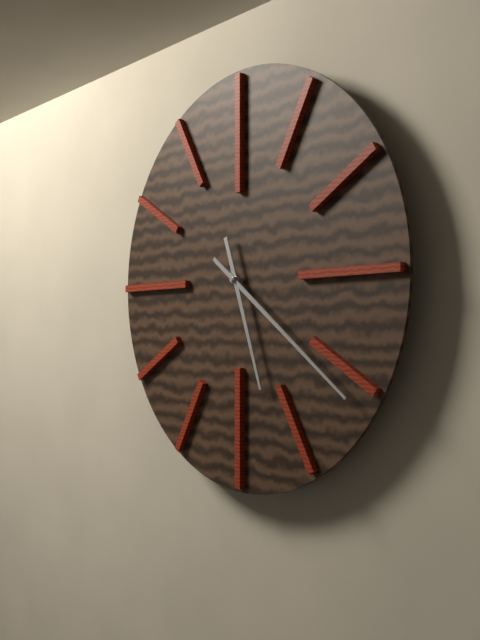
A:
h=5 m=21
